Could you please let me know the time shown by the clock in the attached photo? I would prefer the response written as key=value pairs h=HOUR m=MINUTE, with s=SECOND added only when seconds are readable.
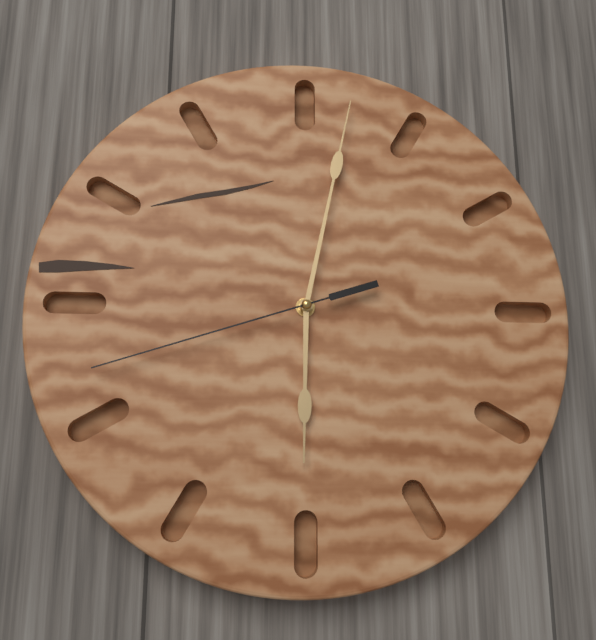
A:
h=6 m=2 s=42
